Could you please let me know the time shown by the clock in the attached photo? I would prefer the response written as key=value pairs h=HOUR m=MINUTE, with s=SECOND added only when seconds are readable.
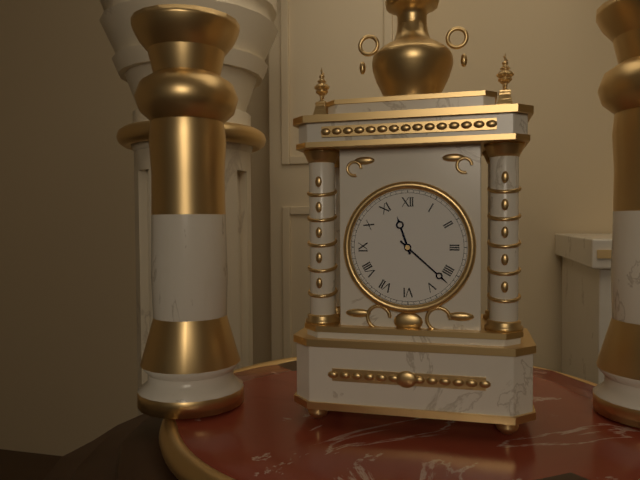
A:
h=11 m=22
